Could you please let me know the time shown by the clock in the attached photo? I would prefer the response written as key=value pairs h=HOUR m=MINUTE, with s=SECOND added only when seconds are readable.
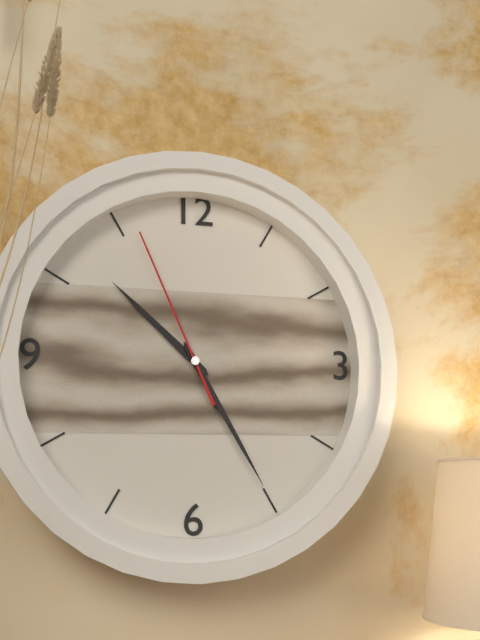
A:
h=10 m=25 s=56
